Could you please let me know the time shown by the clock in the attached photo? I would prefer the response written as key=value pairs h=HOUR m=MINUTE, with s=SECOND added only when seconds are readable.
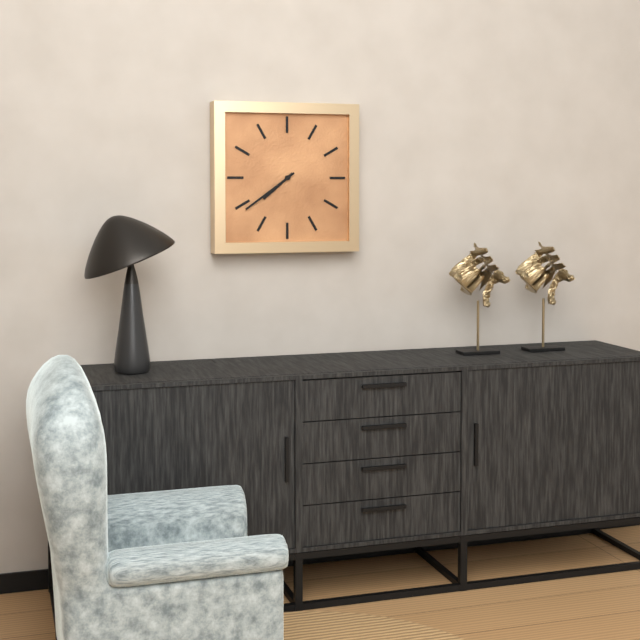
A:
h=7 m=39
